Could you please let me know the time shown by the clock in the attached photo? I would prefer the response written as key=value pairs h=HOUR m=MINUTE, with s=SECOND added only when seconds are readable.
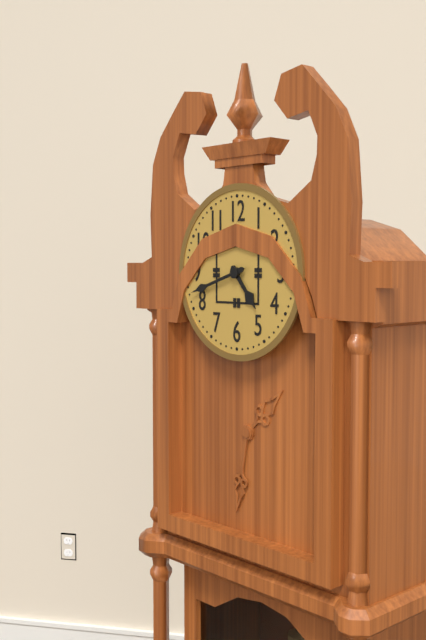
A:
h=4 m=42
